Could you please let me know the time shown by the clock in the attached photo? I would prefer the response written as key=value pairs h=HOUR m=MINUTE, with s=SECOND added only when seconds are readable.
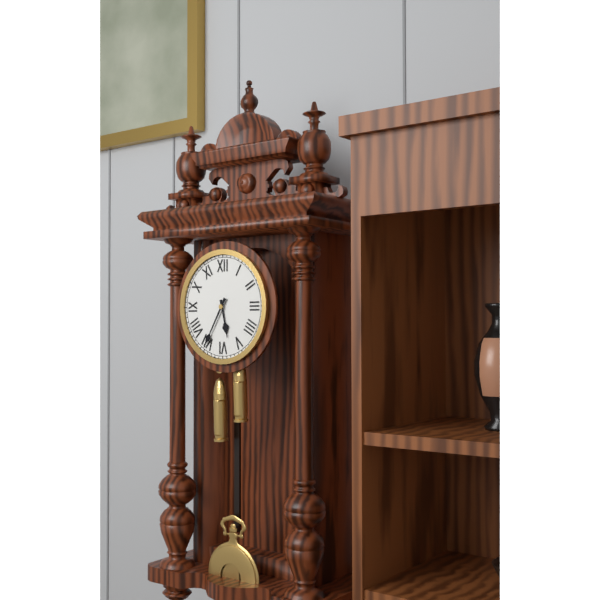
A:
h=5 m=35
